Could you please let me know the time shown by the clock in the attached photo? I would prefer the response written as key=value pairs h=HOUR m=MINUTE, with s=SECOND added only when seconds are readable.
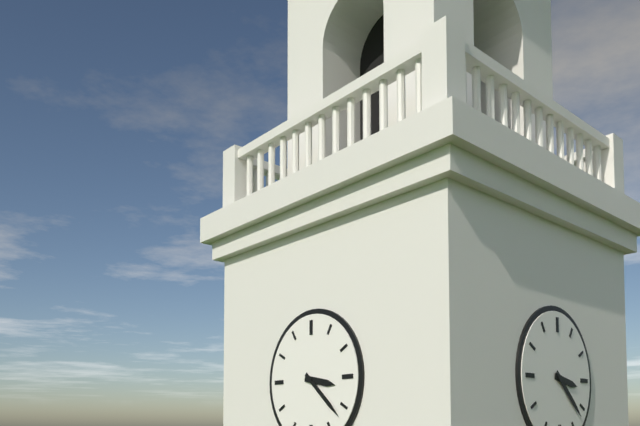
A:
h=3 m=22
